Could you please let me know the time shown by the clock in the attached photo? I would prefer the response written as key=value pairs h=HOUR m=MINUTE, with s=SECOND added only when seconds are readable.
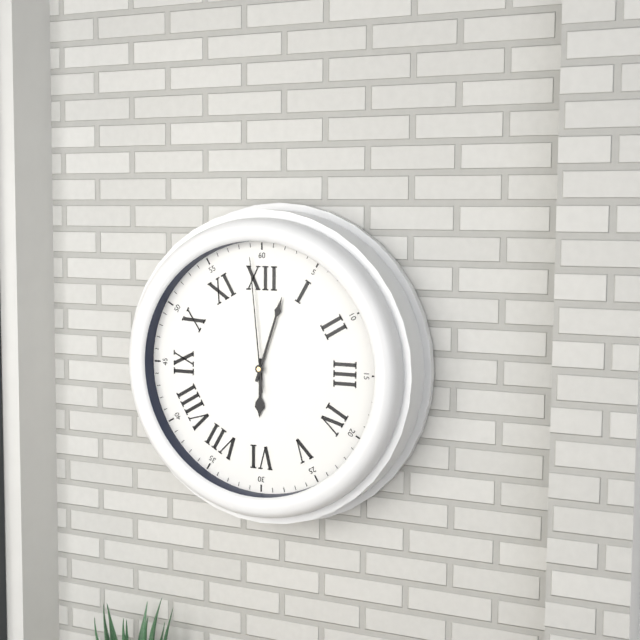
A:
h=6 m=3 s=59
